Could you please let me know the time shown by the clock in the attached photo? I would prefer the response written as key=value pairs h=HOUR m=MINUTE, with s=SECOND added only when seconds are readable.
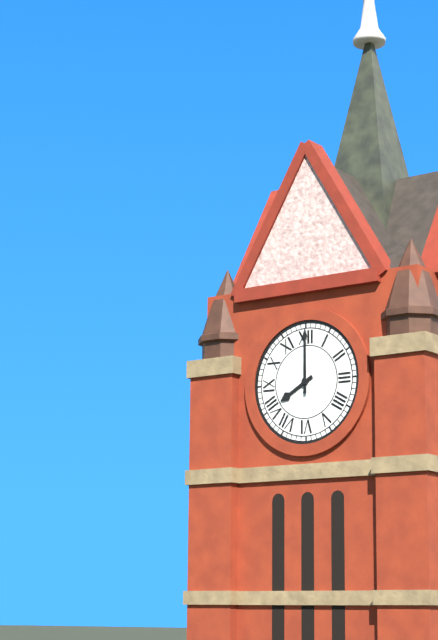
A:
h=8 m=0
